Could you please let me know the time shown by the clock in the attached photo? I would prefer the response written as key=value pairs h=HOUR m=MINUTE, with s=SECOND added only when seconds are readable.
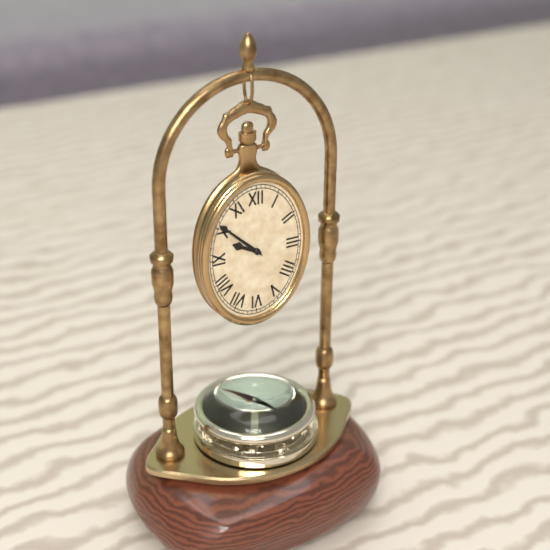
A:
h=9 m=52
